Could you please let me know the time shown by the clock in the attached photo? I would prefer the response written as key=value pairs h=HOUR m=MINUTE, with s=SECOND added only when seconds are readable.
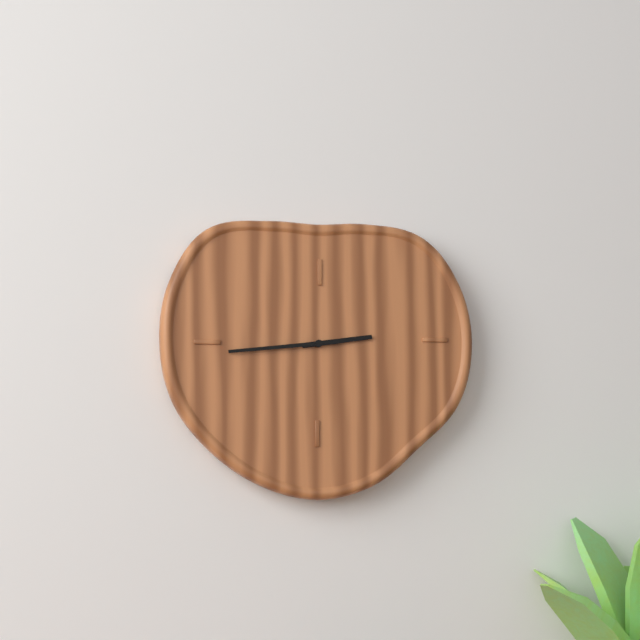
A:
h=2 m=44
